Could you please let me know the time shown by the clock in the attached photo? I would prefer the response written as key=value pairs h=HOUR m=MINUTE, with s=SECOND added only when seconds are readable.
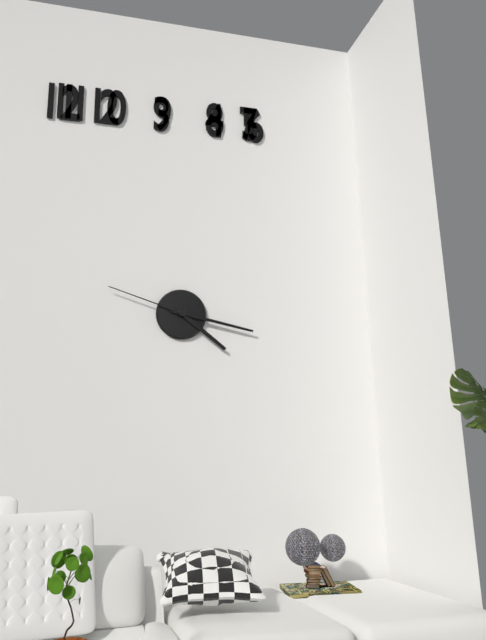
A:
h=4 m=17 s=48
